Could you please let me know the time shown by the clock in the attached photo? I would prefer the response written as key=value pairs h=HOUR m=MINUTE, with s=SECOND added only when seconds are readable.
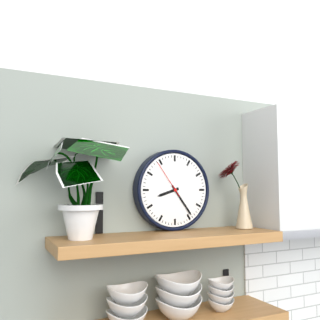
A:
h=8 m=24
